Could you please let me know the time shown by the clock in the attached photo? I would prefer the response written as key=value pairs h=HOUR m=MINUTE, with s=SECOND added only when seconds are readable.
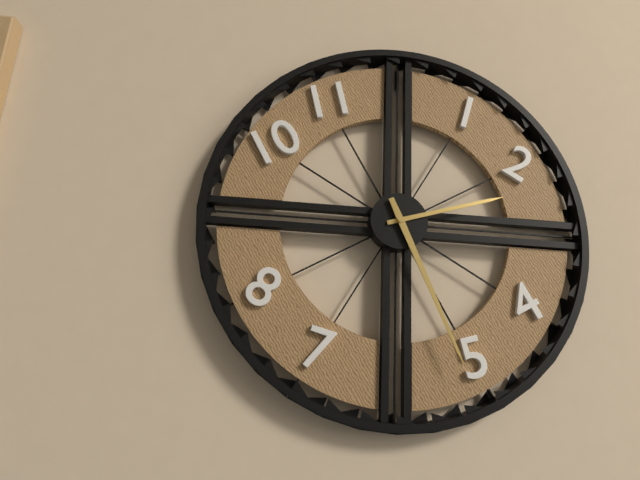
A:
h=2 m=26
